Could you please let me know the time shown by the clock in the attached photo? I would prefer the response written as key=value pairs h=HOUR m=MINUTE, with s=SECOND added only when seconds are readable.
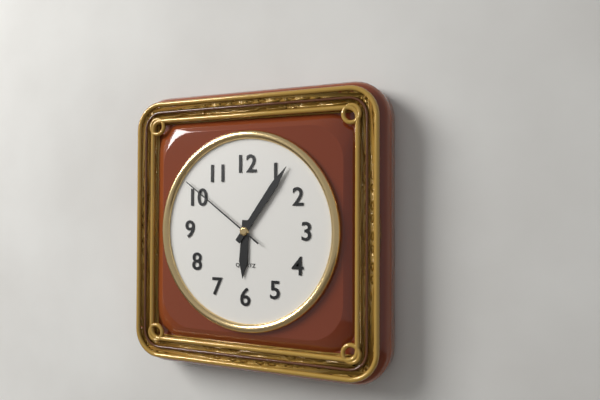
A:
h=6 m=6 s=51
